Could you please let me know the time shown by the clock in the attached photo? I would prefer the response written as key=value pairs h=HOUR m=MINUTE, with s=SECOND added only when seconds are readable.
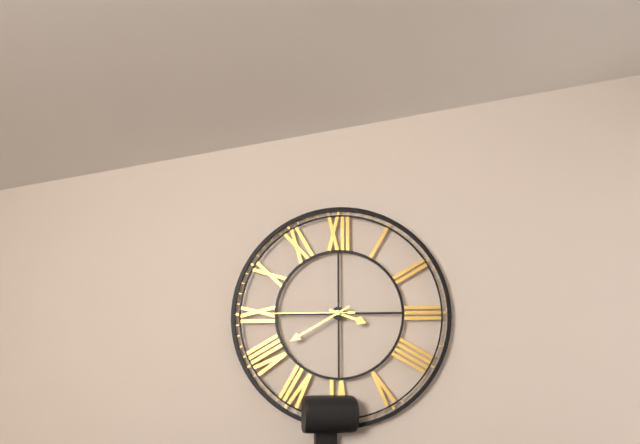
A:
h=3 m=40 s=45
